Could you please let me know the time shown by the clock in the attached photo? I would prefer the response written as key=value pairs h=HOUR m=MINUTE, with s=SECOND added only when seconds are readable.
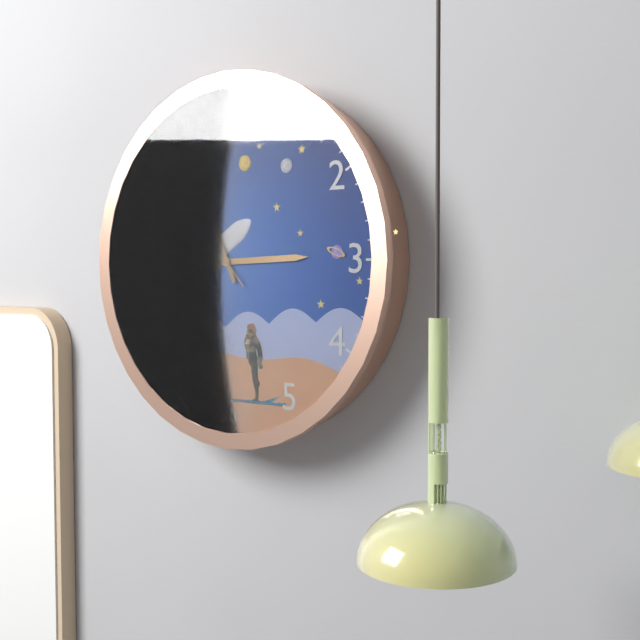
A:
h=2 m=56 s=53
